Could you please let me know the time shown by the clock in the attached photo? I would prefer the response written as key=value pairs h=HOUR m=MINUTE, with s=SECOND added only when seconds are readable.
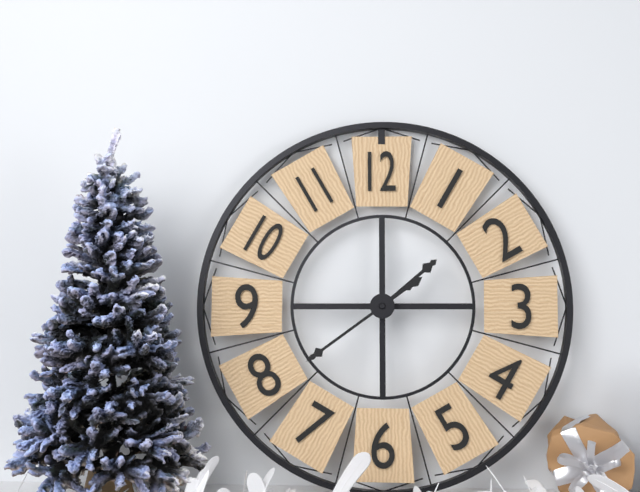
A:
h=1 m=39
